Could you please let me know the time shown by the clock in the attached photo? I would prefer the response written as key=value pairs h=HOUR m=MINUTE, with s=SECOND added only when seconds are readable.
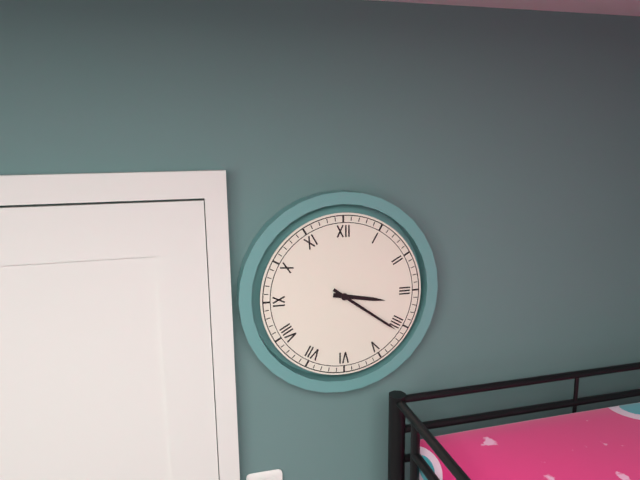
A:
h=3 m=21
